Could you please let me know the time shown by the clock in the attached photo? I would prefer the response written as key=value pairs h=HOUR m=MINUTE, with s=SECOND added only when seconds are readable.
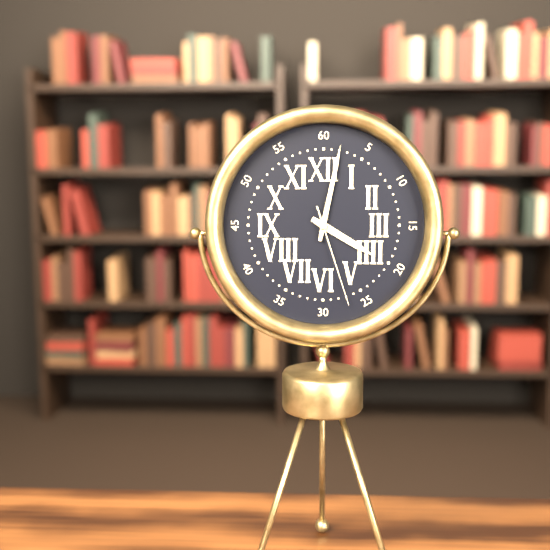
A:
h=4 m=2 s=27
